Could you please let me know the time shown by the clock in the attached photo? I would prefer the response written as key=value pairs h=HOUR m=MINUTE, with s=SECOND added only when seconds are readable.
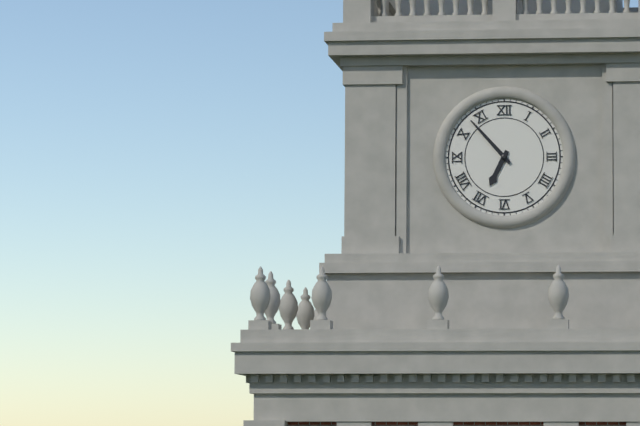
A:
h=6 m=53
